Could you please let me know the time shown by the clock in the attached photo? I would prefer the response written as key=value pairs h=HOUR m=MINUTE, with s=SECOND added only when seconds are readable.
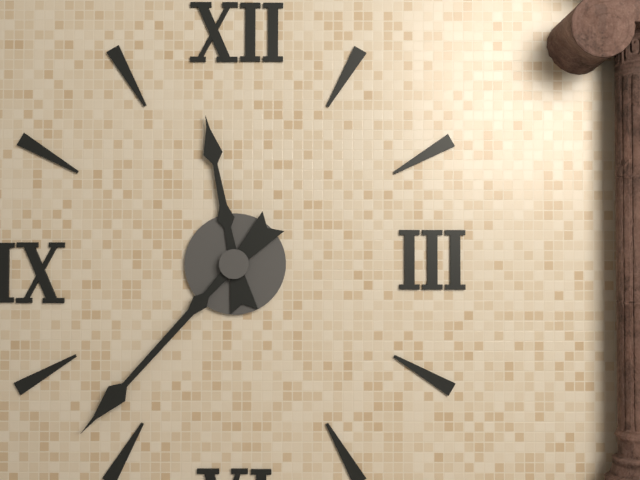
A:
h=11 m=37
